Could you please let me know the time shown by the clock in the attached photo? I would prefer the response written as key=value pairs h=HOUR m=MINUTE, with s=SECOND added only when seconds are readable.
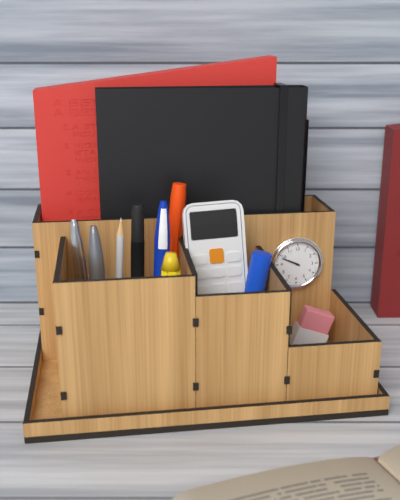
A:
h=9 m=49
